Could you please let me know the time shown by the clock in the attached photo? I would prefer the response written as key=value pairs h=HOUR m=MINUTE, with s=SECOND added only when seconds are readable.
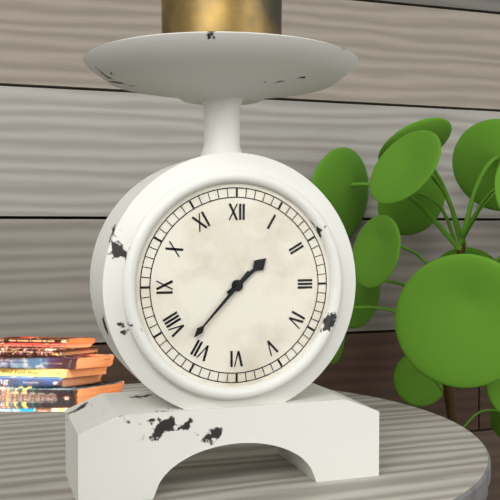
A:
h=1 m=37
